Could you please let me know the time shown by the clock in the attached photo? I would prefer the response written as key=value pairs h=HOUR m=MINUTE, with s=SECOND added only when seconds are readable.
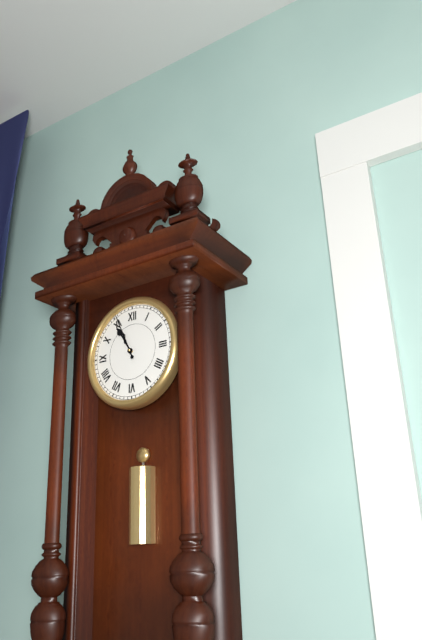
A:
h=10 m=56
